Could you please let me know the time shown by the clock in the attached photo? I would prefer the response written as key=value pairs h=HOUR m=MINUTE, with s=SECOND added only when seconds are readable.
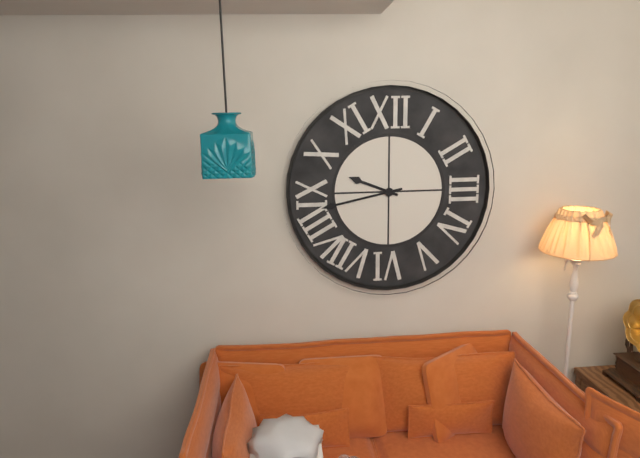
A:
h=9 m=43
